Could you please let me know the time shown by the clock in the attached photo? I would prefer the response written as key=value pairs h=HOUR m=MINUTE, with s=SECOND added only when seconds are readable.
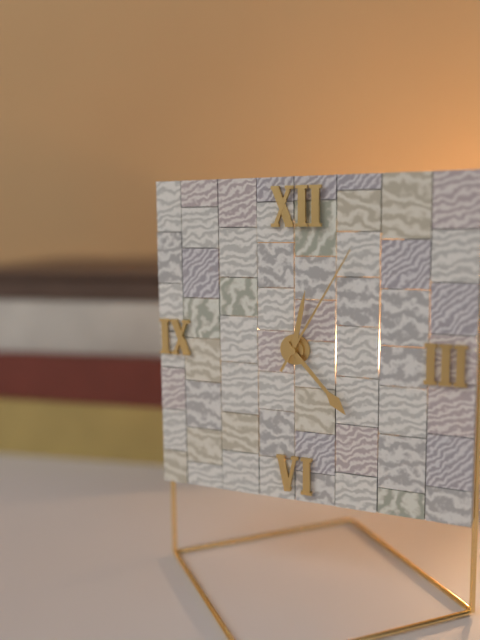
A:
h=12 m=23 s=5
